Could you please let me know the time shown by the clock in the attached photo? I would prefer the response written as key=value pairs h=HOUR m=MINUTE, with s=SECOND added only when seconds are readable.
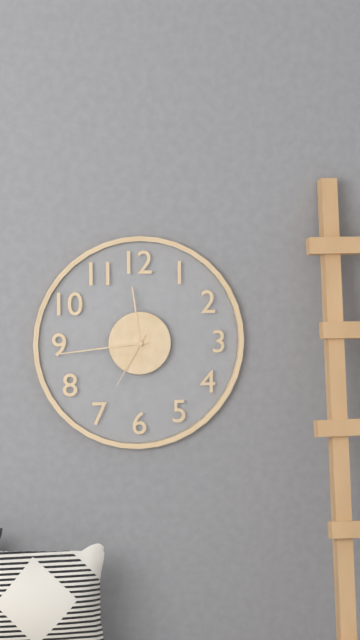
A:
h=11 m=44 s=35
